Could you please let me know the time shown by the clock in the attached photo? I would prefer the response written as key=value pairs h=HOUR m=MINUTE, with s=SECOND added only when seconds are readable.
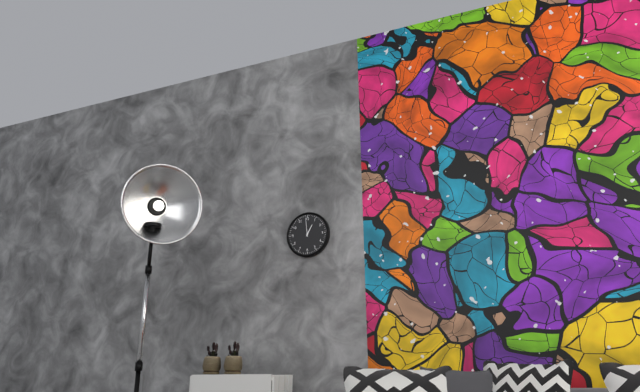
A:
h=12 m=59
